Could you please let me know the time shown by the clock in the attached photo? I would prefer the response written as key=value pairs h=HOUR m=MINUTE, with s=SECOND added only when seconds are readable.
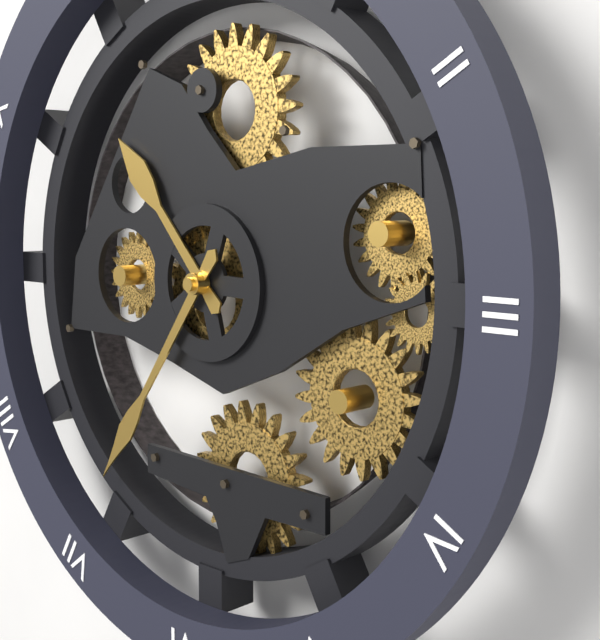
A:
h=10 m=36
